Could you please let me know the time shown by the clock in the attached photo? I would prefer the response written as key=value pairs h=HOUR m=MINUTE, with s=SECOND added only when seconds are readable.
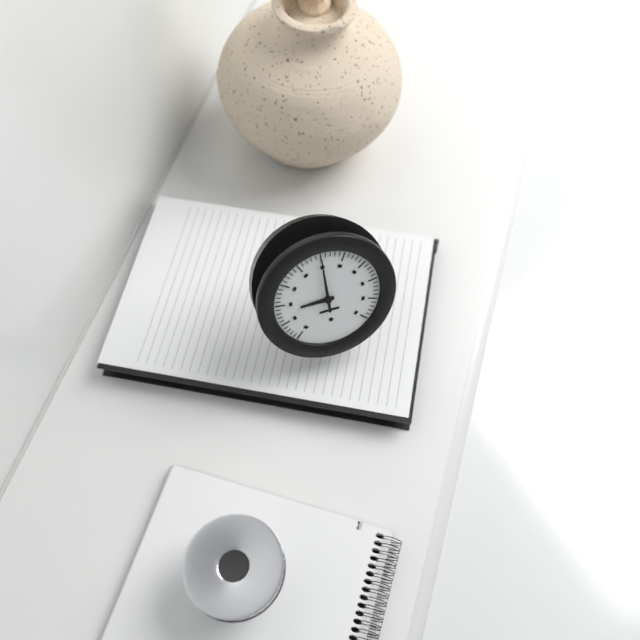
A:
h=9 m=0
